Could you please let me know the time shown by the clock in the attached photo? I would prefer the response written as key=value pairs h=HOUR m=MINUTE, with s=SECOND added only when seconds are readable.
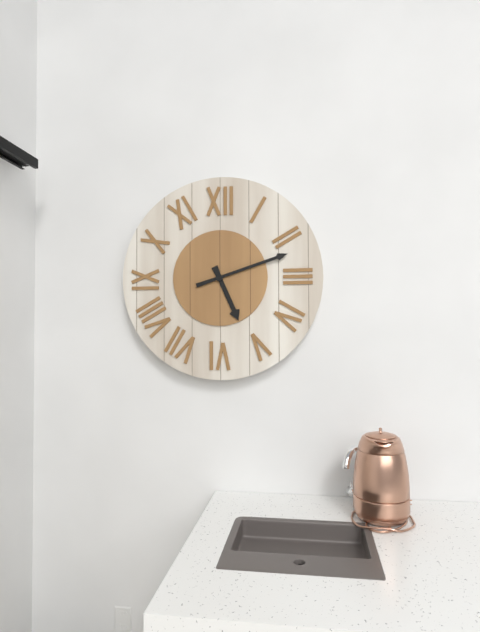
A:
h=5 m=12
